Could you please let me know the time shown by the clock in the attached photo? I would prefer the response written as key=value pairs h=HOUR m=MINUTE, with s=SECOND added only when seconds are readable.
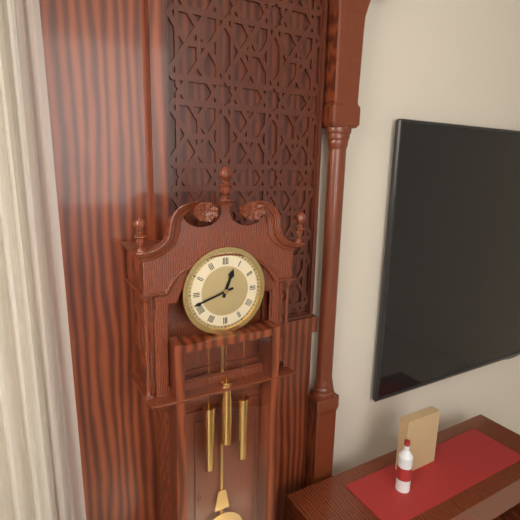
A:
h=12 m=42
